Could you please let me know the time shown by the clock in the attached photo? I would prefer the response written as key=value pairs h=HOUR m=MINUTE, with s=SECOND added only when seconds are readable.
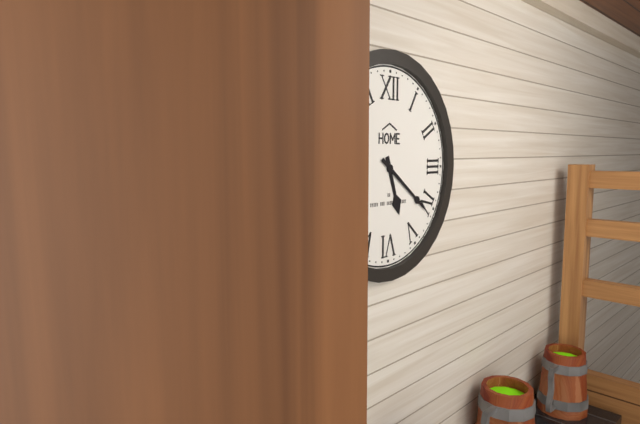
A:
h=5 m=21
